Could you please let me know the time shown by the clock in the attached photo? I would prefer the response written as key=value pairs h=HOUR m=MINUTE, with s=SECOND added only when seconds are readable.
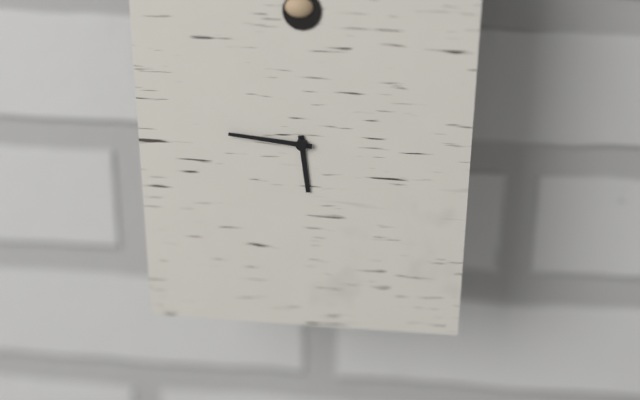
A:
h=5 m=46
